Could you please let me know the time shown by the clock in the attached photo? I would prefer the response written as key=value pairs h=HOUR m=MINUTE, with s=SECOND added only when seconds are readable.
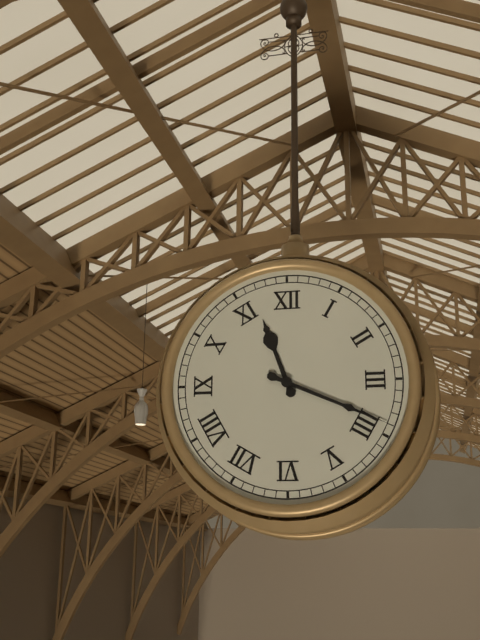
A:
h=11 m=19
